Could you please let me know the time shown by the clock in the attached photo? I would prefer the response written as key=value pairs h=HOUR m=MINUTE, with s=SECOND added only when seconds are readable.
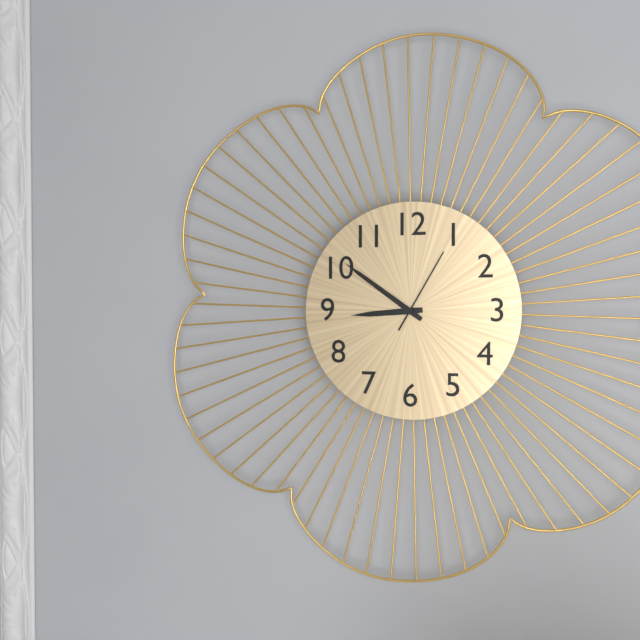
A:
h=8 m=51 s=5
